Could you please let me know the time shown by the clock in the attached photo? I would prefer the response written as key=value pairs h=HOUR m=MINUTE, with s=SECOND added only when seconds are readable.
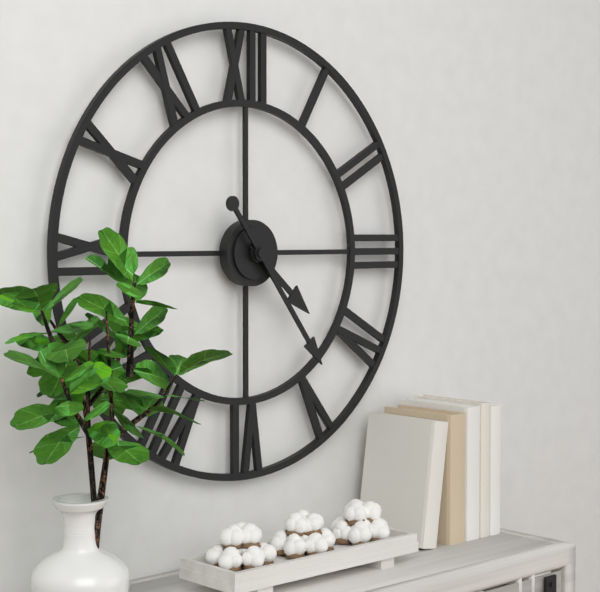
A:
h=4 m=24
